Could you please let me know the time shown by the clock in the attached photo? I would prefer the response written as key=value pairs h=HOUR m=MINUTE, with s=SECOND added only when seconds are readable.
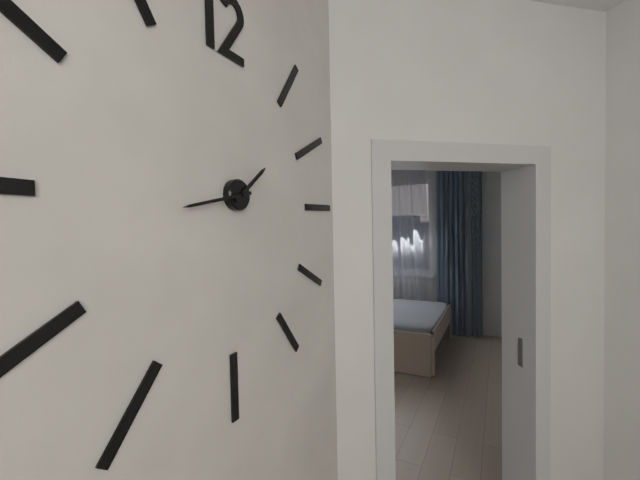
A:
h=1 m=43
